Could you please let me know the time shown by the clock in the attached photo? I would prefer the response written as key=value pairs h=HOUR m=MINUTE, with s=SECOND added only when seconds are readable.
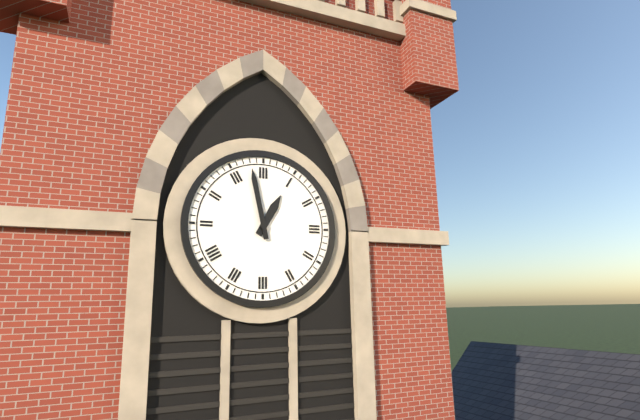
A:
h=12 m=58
